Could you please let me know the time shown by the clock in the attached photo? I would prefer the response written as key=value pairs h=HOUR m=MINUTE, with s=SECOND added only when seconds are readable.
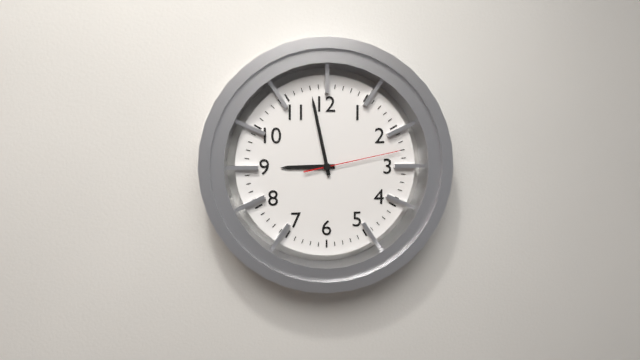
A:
h=8 m=58 s=13
